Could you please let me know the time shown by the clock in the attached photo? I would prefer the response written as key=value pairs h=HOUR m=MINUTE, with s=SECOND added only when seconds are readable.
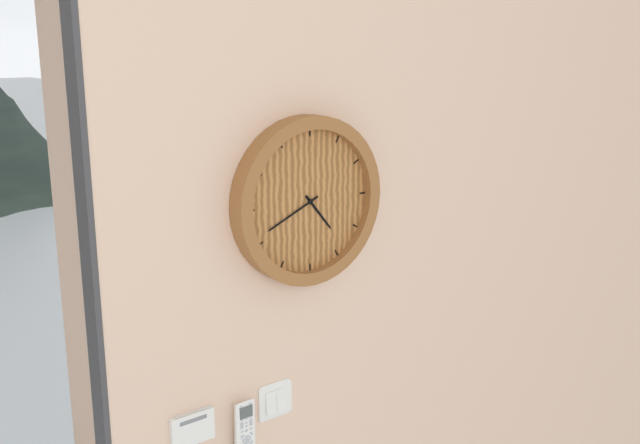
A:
h=4 m=41
